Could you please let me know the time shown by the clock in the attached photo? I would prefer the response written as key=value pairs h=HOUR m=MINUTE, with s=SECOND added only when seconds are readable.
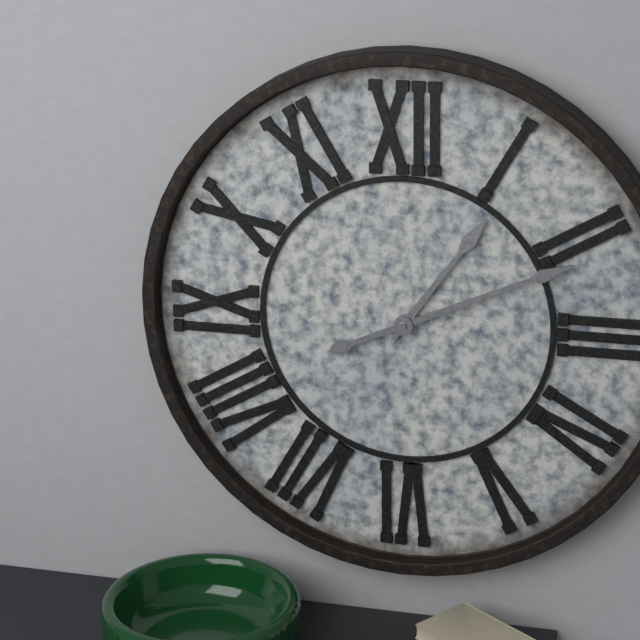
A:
h=1 m=11
